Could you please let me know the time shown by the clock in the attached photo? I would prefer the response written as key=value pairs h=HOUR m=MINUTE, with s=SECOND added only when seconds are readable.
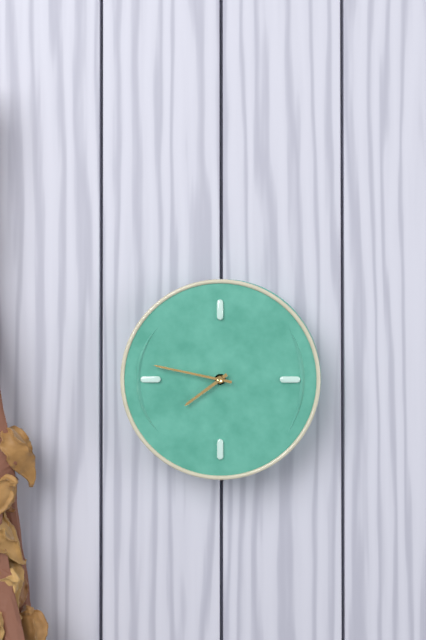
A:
h=7 m=47
